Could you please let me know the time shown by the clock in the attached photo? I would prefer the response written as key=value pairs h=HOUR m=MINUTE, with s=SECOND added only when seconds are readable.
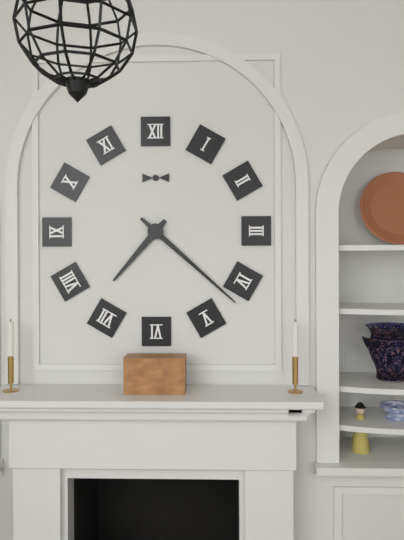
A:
h=7 m=22
